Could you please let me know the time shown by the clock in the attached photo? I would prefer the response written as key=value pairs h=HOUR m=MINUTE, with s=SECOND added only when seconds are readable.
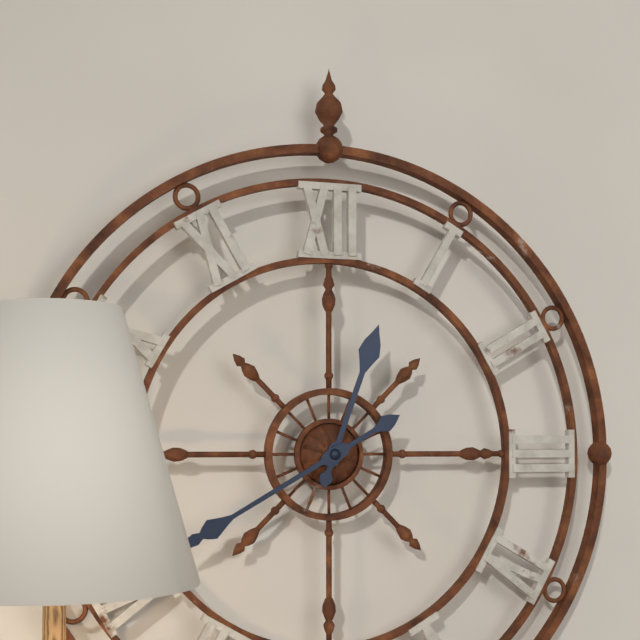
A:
h=12 m=40
